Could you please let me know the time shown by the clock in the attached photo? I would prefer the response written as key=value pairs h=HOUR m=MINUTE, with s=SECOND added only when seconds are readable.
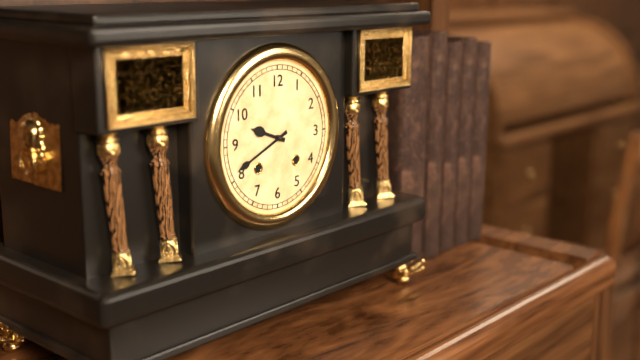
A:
h=9 m=41
